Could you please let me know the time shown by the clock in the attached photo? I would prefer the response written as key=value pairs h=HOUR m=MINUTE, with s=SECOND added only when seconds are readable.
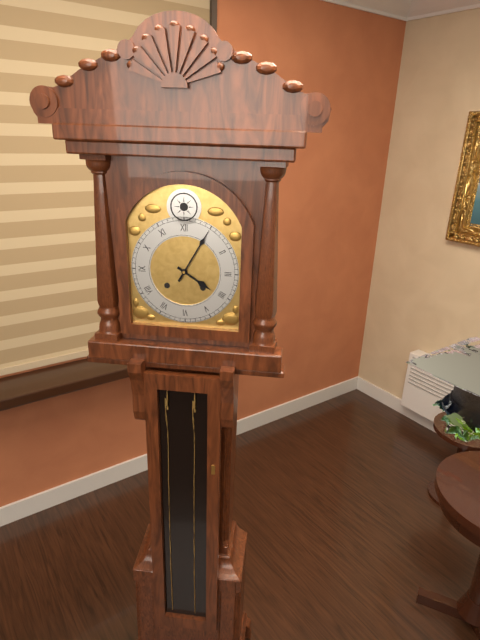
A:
h=4 m=5
